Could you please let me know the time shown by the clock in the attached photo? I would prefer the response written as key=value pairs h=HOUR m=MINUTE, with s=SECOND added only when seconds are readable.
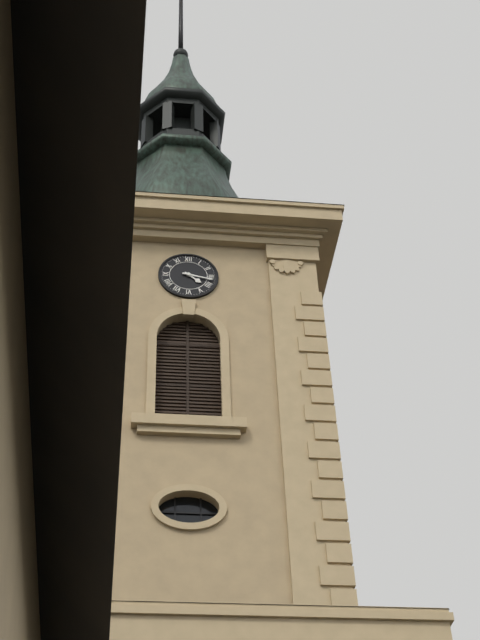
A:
h=4 m=17
